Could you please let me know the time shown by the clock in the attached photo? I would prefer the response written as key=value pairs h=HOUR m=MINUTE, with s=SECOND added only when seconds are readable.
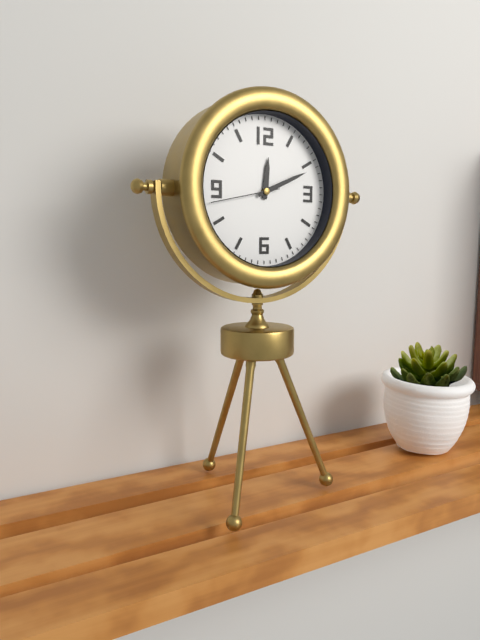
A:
h=12 m=11 s=43
